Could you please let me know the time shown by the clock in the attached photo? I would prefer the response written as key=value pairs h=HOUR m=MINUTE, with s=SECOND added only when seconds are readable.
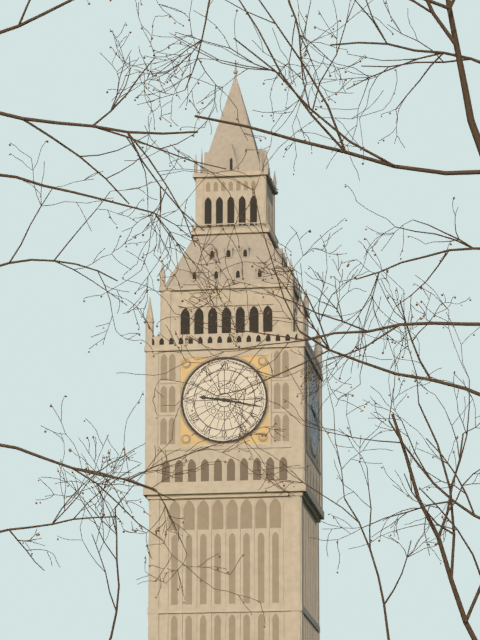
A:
h=9 m=17
